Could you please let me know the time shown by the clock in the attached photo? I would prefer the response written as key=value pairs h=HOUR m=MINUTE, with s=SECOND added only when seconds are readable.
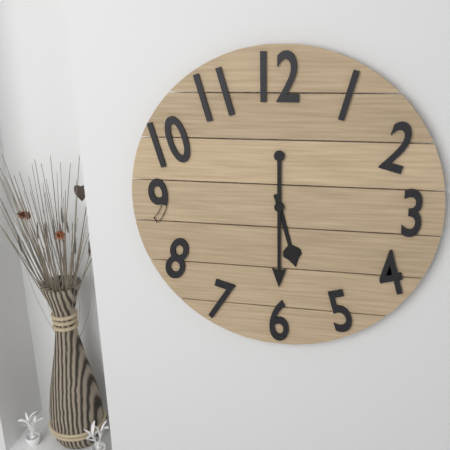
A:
h=5 m=30
